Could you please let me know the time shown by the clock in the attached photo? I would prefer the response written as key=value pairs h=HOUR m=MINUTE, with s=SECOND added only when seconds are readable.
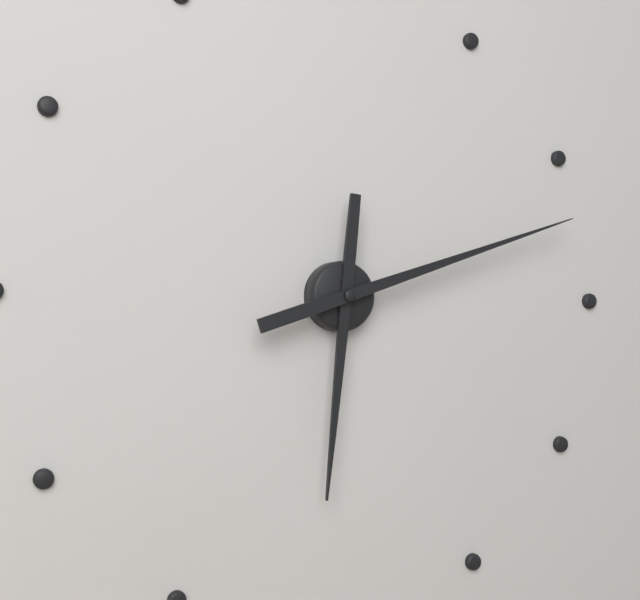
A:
h=6 m=12
